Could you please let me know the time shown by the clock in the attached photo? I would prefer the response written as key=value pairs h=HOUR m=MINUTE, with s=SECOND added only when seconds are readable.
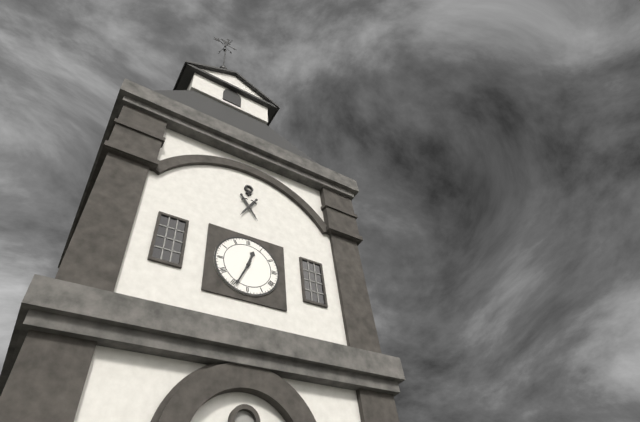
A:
h=12 m=34
